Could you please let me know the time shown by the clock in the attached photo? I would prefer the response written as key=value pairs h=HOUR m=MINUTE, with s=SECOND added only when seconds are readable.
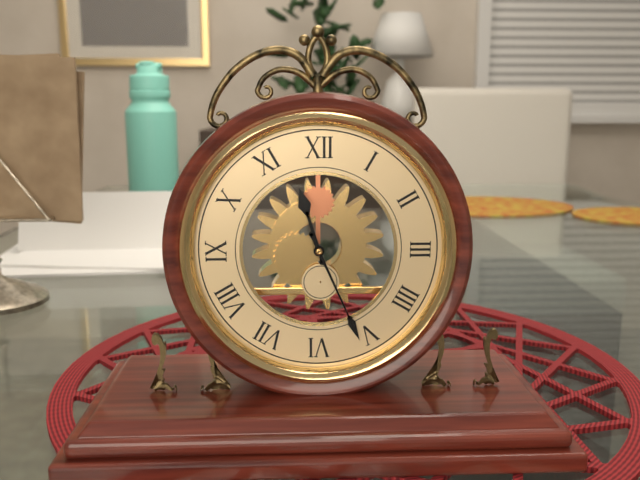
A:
h=11 m=26
